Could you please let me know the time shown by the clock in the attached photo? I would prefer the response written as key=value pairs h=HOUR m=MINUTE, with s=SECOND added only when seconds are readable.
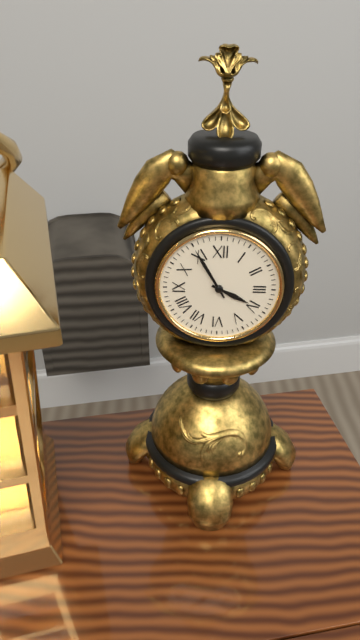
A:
h=3 m=55
